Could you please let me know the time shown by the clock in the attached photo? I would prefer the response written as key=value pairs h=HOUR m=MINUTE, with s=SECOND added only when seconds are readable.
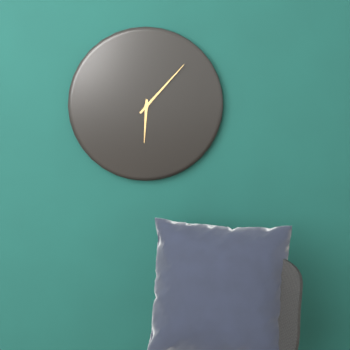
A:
h=6 m=7
